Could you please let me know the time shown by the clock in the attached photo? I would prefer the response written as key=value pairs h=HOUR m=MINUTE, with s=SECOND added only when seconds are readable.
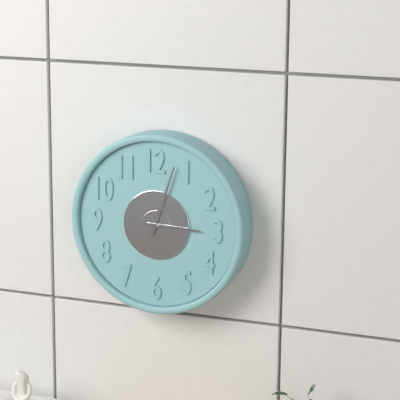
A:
h=3 m=3
